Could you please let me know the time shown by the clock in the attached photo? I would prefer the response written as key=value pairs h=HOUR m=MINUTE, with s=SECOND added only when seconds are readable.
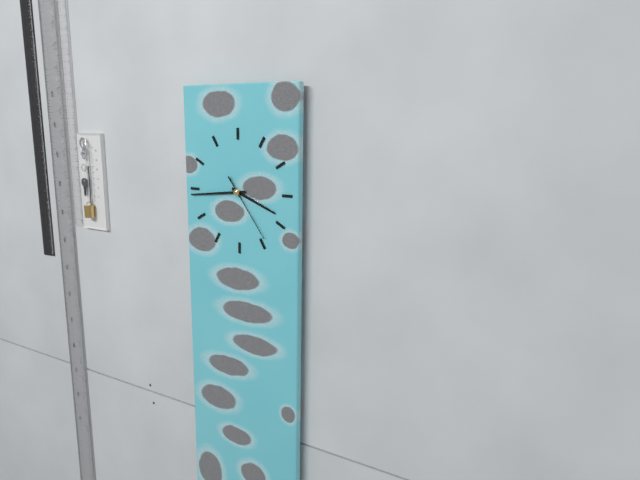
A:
h=3 m=44 s=24
